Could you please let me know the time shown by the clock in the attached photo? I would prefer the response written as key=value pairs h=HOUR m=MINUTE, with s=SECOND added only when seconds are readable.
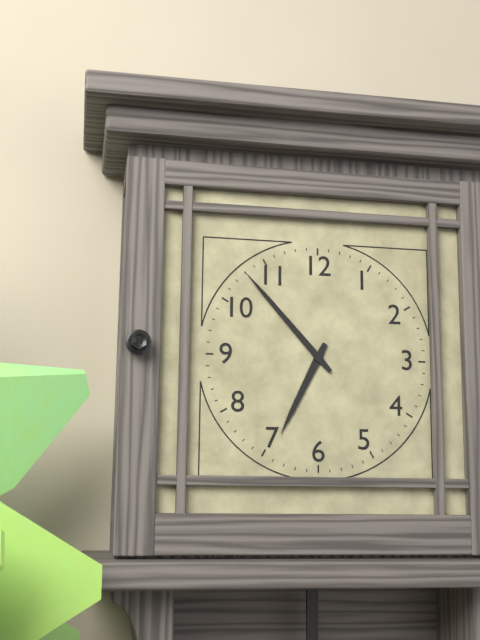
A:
h=6 m=53
